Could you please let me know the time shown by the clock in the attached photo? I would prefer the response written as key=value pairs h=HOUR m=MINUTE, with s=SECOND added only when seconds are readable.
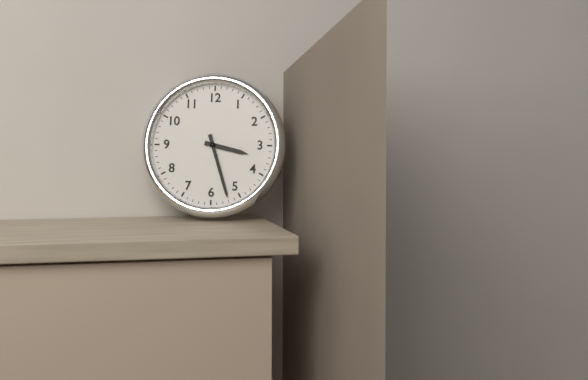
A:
h=3 m=27
